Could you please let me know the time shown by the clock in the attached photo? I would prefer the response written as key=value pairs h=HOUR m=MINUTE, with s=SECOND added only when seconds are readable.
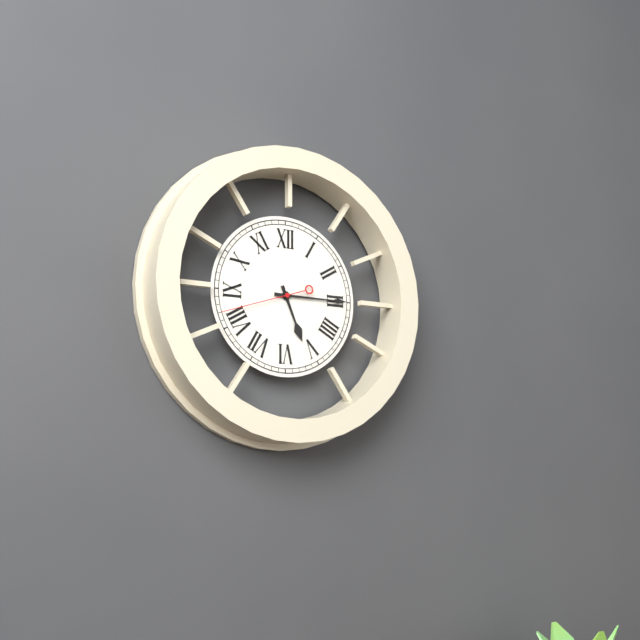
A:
h=5 m=15 s=42
